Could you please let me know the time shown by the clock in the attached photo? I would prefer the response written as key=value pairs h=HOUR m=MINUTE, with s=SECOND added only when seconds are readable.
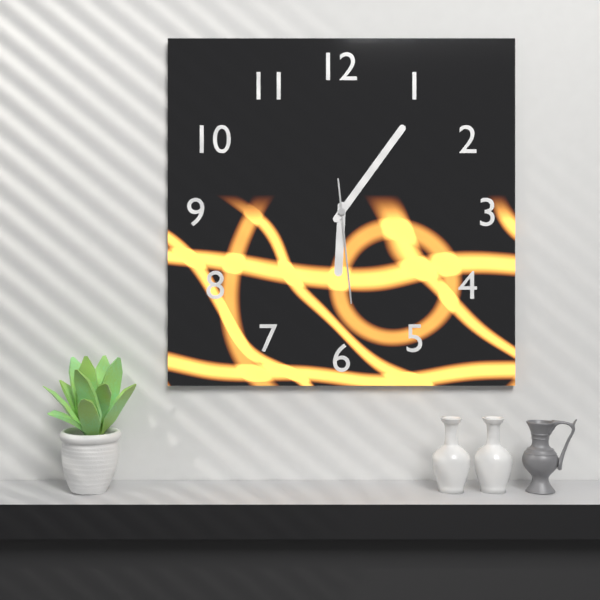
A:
h=6 m=6 s=29
